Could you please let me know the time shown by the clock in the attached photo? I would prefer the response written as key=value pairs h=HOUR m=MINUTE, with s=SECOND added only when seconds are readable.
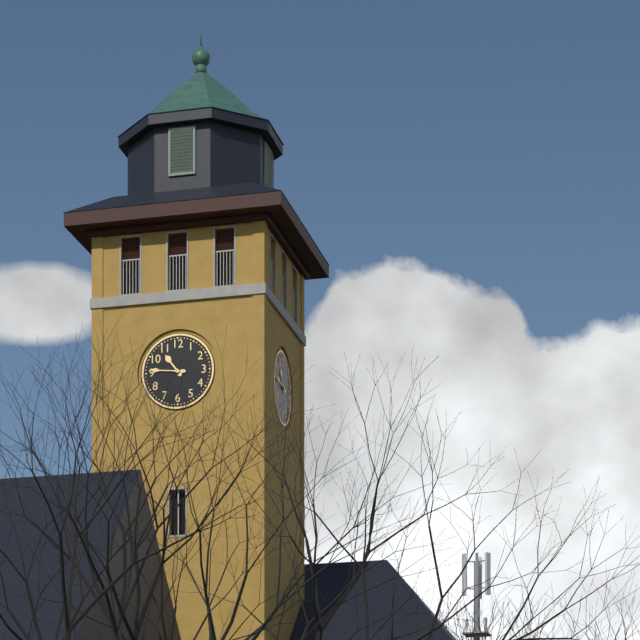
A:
h=10 m=46
